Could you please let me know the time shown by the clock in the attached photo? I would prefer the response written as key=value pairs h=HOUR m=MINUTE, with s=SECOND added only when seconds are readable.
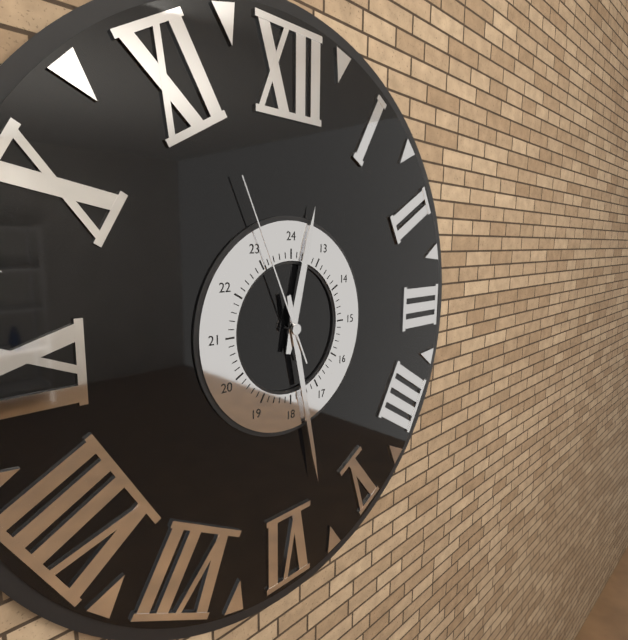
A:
h=12 m=28 s=56
